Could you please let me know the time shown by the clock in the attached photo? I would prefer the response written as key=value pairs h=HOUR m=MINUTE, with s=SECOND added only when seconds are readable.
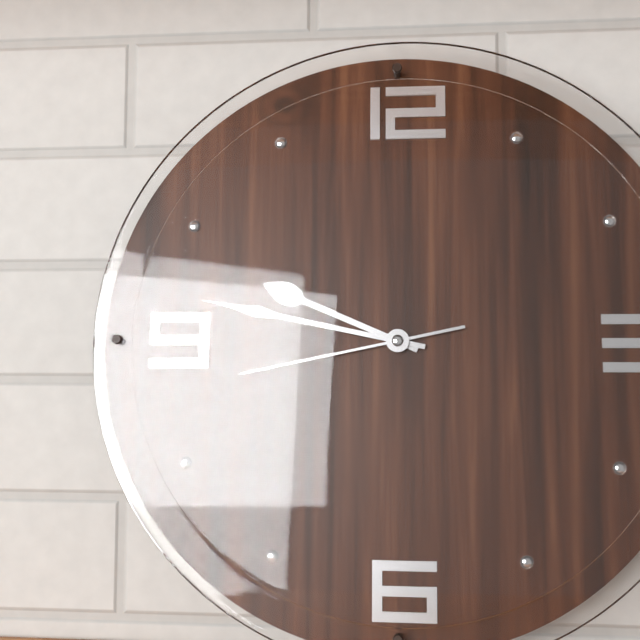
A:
h=9 m=47 s=43
